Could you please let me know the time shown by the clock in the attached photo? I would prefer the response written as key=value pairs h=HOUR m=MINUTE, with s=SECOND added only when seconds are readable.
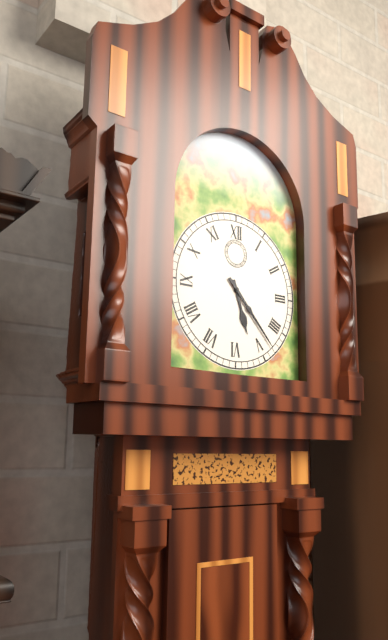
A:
h=5 m=23
